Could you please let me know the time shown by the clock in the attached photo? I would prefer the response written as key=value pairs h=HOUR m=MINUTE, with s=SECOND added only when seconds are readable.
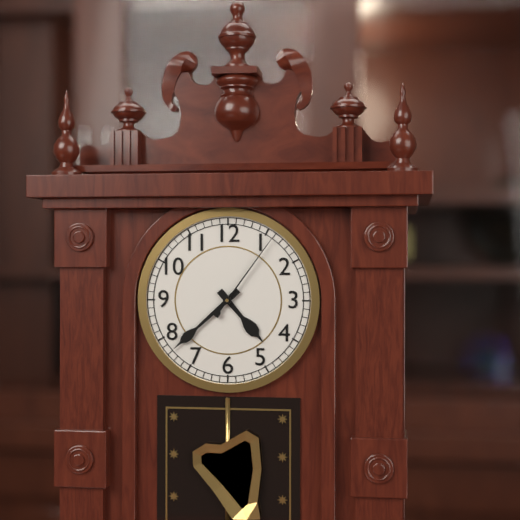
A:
h=4 m=38 s=6
